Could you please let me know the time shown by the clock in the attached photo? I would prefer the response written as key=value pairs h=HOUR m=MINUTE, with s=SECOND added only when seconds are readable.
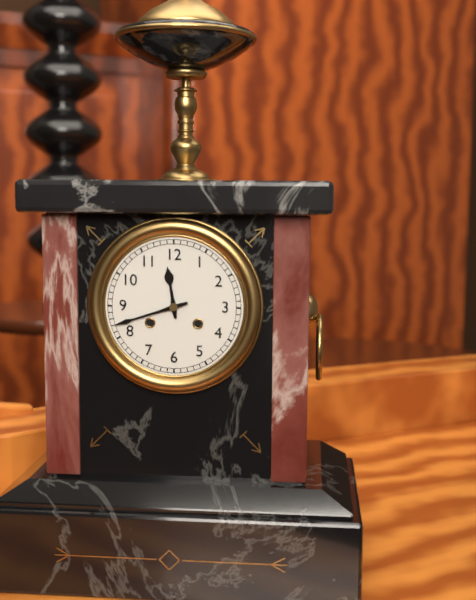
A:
h=11 m=42
